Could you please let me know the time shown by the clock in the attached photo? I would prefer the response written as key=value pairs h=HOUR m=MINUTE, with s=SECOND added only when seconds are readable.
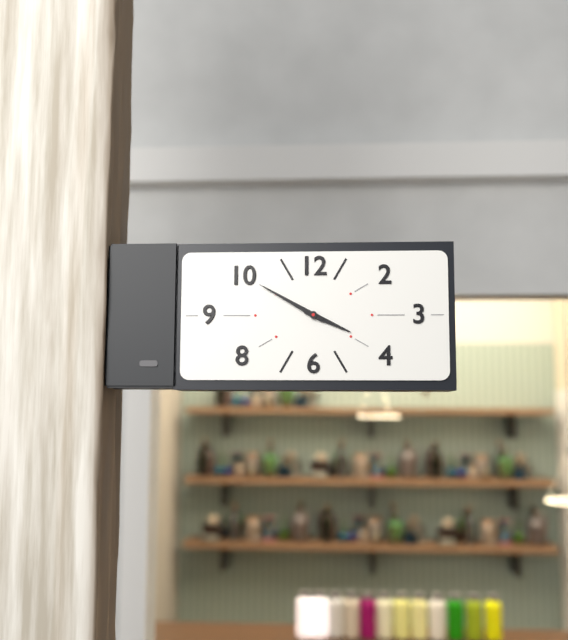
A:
h=3 m=50
